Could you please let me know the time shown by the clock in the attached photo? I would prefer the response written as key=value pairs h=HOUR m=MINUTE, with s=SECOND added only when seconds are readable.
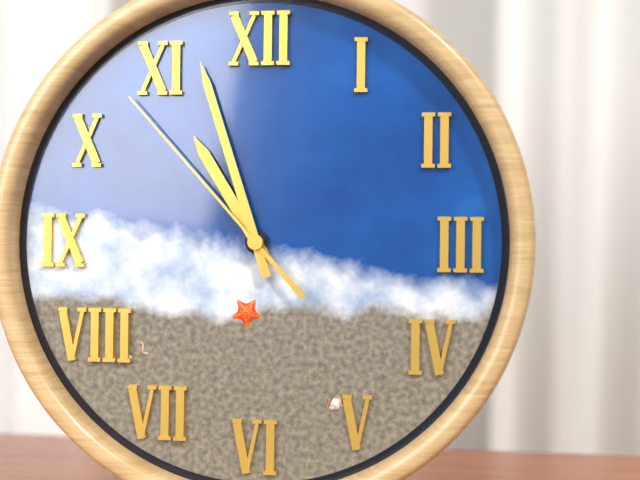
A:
h=10 m=57 s=53
